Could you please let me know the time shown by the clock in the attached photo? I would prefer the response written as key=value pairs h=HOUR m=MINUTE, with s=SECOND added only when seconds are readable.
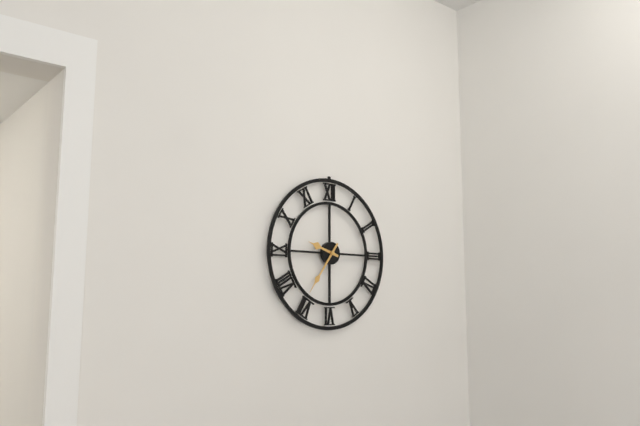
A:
h=9 m=36
